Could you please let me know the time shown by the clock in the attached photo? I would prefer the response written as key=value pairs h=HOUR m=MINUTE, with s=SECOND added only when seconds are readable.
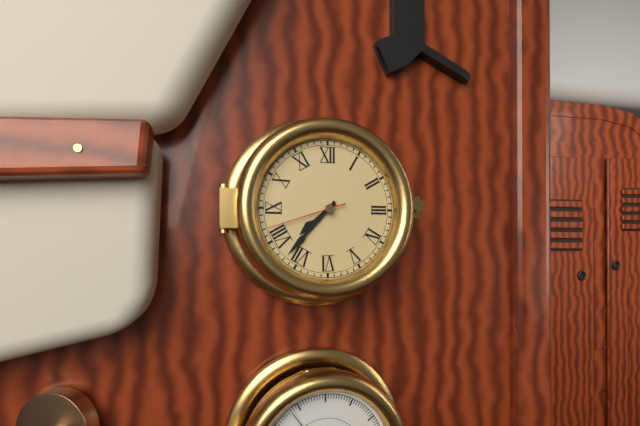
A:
h=7 m=37 s=42
